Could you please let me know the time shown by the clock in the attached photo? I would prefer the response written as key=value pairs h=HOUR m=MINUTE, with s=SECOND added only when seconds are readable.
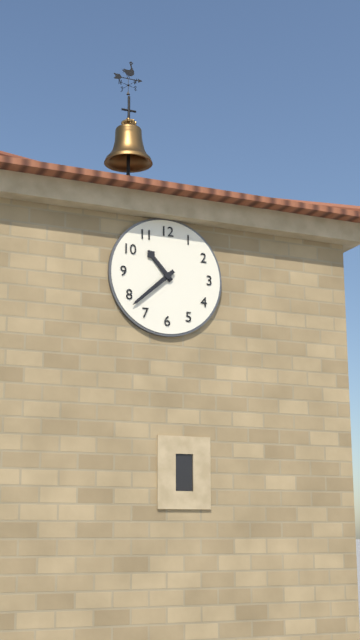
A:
h=10 m=38
